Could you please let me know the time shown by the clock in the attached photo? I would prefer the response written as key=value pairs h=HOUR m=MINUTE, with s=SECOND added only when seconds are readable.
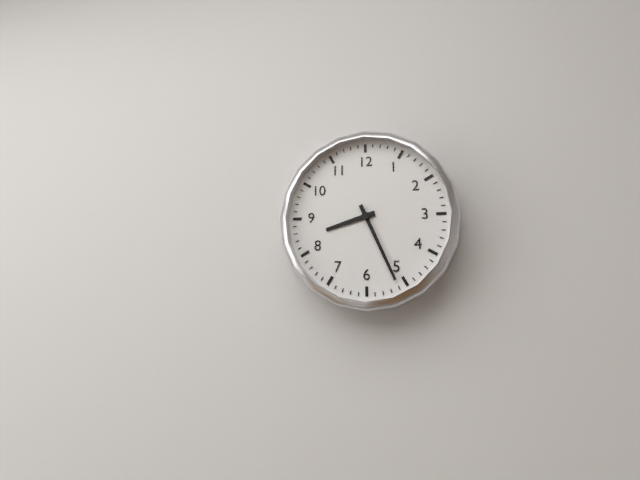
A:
h=8 m=26
